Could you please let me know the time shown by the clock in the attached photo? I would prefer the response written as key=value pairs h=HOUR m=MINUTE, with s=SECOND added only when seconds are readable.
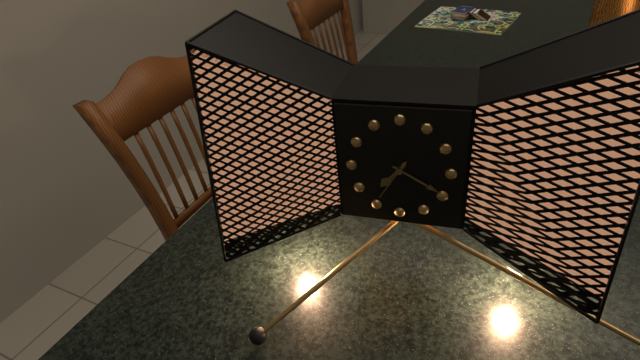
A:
h=7 m=20
